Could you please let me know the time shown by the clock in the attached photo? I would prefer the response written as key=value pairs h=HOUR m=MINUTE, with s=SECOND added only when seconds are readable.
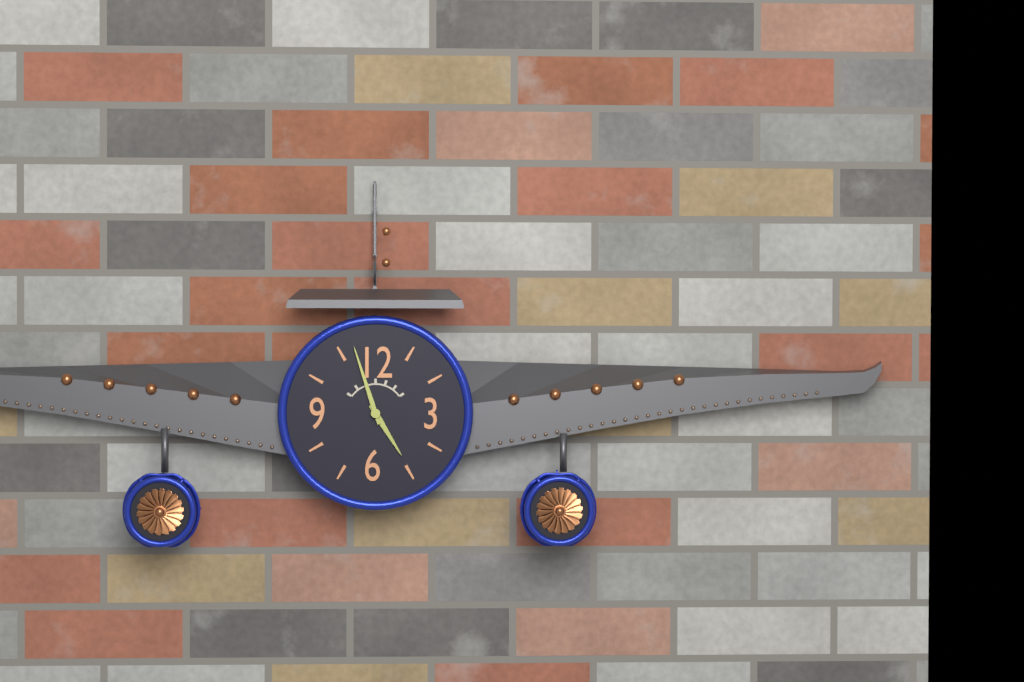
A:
h=4 m=57
